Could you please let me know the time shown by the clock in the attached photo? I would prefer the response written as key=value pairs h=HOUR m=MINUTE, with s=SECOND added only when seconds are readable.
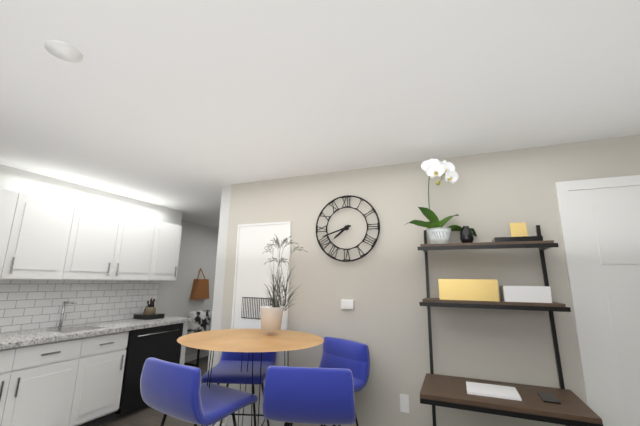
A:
h=7 m=42
